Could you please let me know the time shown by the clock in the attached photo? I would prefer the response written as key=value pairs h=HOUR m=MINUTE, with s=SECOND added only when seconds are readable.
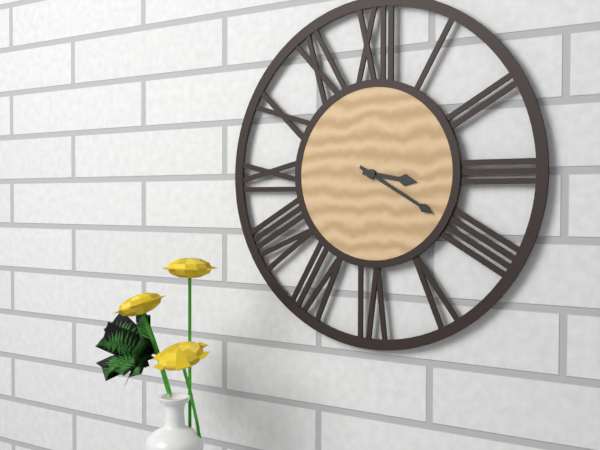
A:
h=3 m=20
